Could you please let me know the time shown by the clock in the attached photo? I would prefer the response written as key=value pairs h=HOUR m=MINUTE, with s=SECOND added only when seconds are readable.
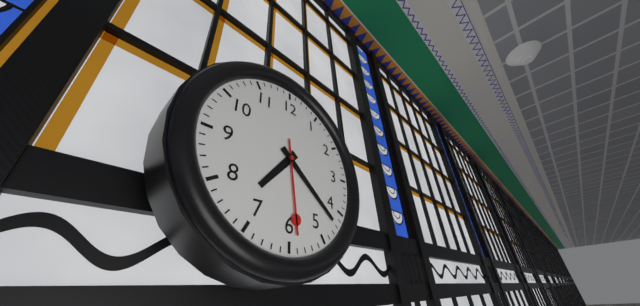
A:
h=7 m=22 s=29
